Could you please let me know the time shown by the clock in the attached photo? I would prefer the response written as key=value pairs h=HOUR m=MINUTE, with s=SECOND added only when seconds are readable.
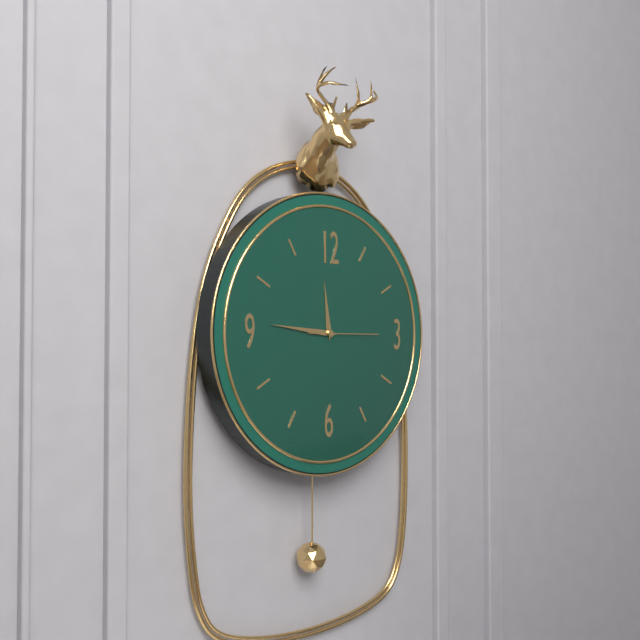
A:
h=11 m=46 s=15
